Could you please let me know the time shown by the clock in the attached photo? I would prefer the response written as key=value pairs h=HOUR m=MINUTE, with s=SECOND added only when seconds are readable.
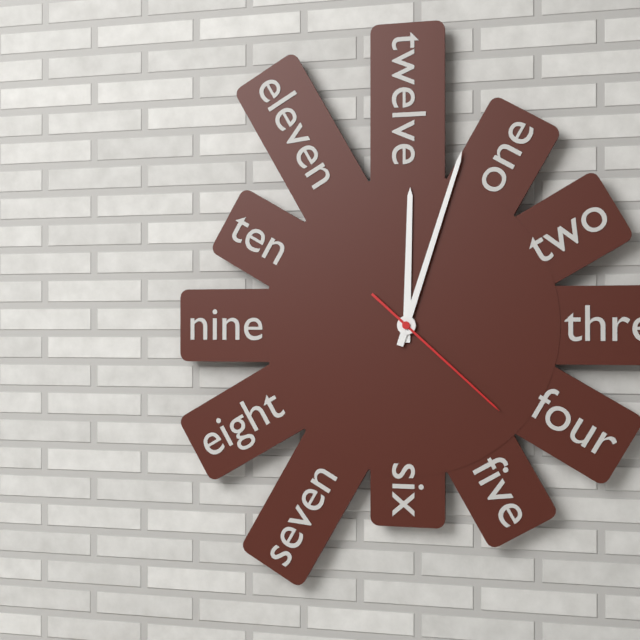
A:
h=12 m=3 s=22
